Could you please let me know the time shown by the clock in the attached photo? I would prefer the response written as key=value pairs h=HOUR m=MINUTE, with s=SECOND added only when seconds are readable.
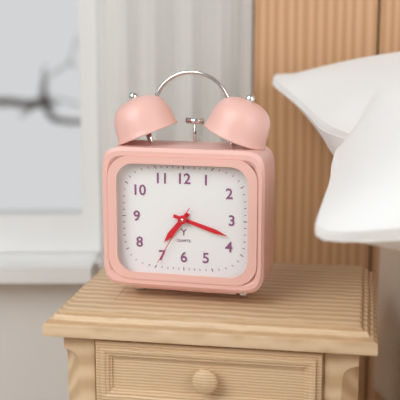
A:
h=7 m=18 s=35
